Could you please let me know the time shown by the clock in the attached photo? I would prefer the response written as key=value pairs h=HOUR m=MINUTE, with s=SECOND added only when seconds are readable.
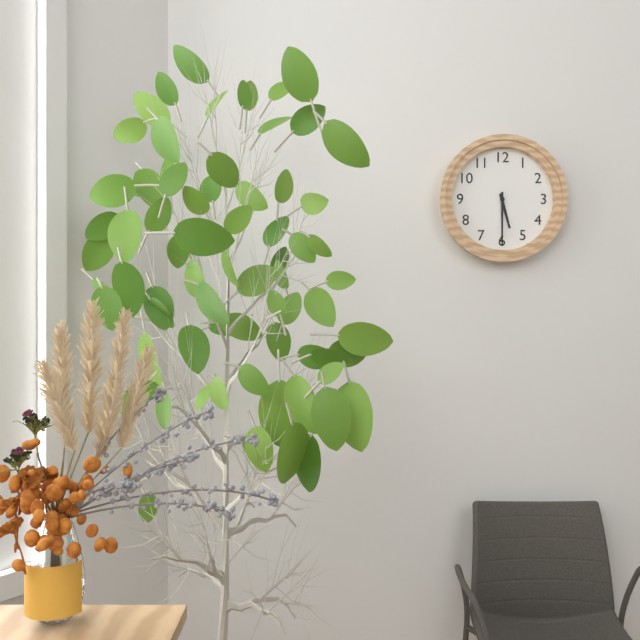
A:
h=5 m=30
